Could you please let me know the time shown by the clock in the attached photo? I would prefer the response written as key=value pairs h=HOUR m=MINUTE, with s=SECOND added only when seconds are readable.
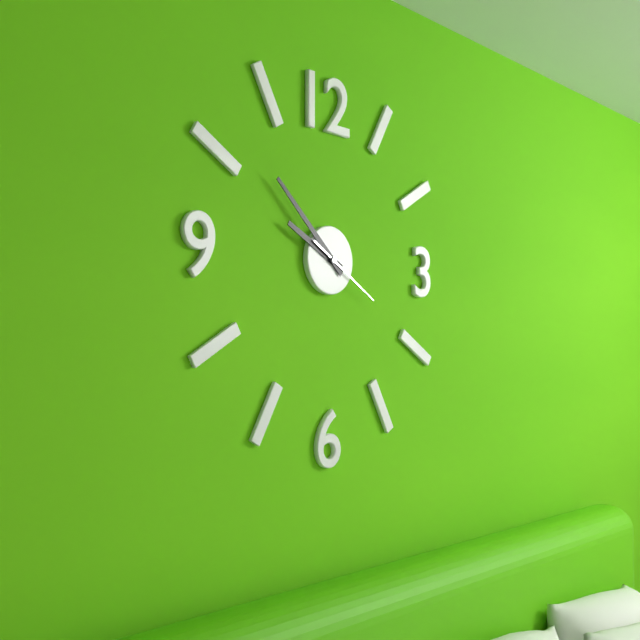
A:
h=9 m=52 s=20
